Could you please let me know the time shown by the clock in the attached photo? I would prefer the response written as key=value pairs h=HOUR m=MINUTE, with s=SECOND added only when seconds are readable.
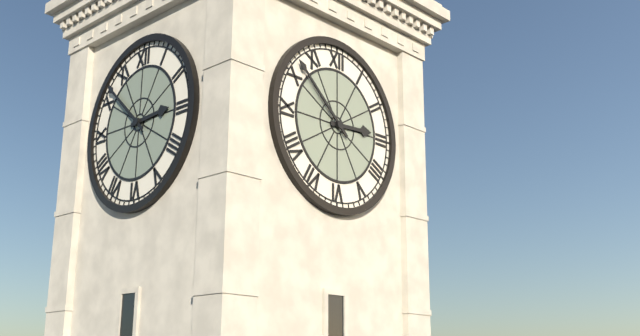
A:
h=2 m=52
